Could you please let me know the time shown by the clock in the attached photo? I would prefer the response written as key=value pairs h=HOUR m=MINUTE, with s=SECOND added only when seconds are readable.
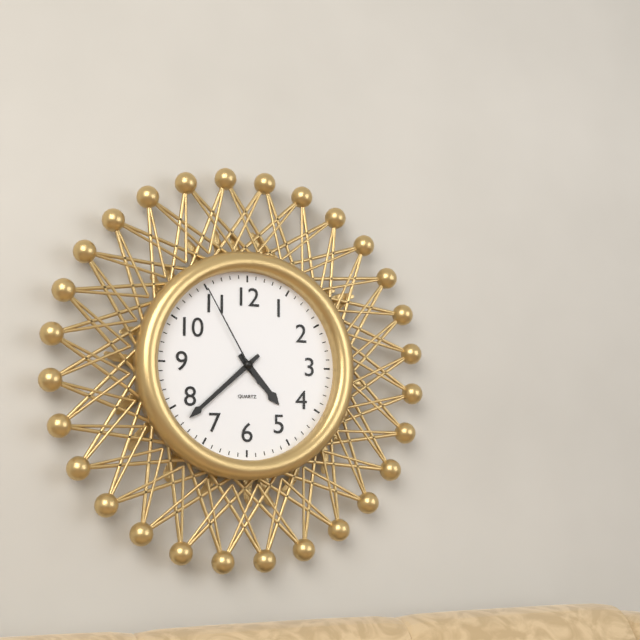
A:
h=4 m=38 s=55
